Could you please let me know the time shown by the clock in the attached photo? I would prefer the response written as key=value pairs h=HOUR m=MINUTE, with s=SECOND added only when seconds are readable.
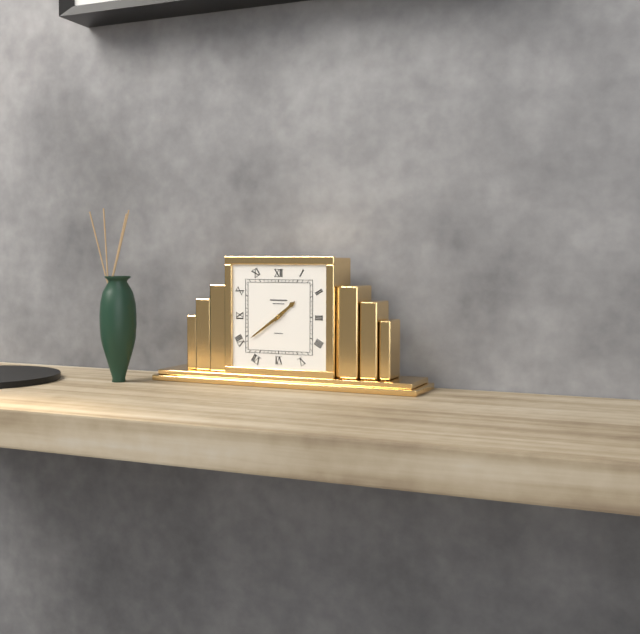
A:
h=1 m=39
